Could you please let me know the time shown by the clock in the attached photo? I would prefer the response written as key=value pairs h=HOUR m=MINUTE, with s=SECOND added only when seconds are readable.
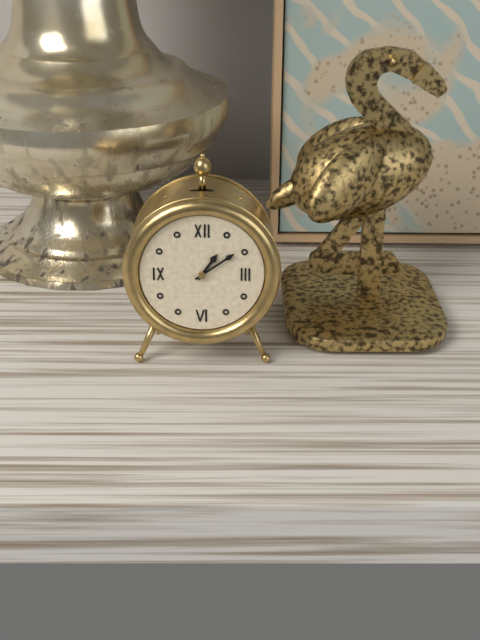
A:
h=1 m=9
